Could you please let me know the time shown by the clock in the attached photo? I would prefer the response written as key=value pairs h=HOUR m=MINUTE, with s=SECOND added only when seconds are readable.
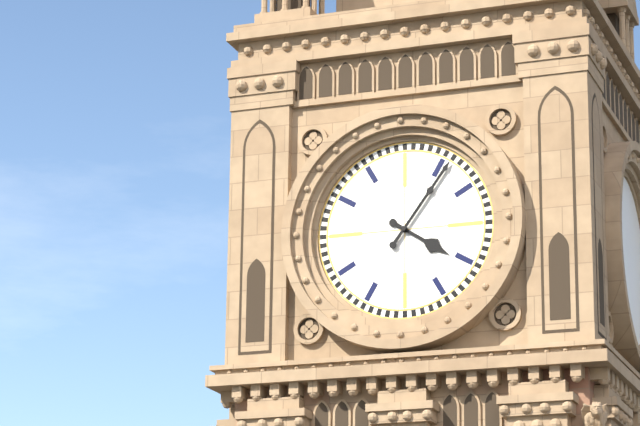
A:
h=4 m=6
